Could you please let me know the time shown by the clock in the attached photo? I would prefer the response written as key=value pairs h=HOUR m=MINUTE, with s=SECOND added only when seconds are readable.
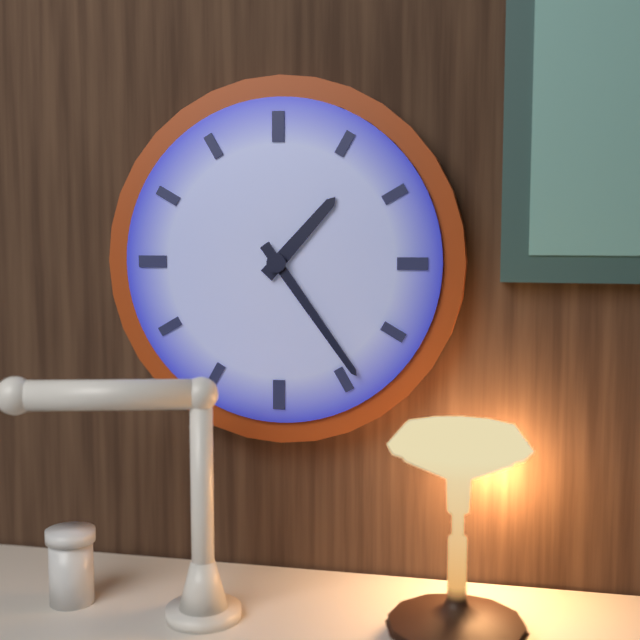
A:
h=1 m=24
